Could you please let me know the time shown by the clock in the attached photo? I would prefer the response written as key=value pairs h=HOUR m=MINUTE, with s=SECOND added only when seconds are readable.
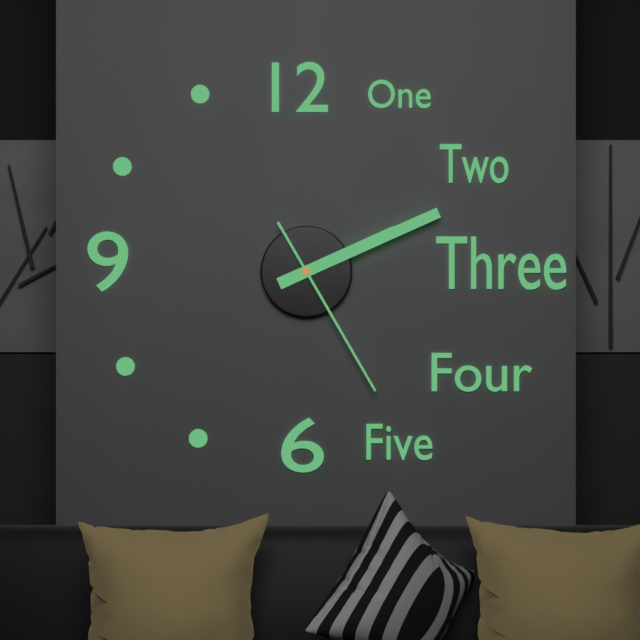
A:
h=2 m=11 s=25
